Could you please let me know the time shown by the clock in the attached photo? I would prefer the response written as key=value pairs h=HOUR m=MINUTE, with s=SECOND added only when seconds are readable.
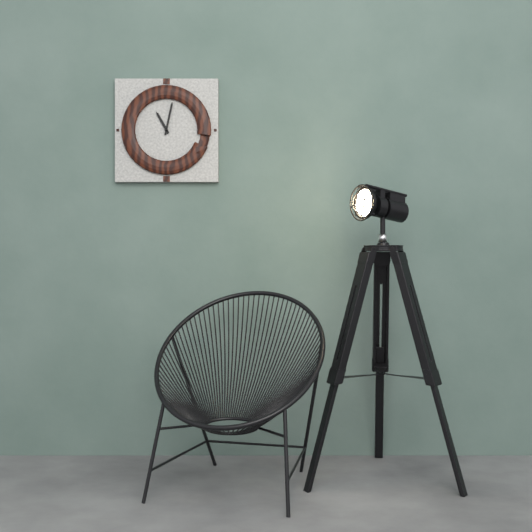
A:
h=11 m=2
